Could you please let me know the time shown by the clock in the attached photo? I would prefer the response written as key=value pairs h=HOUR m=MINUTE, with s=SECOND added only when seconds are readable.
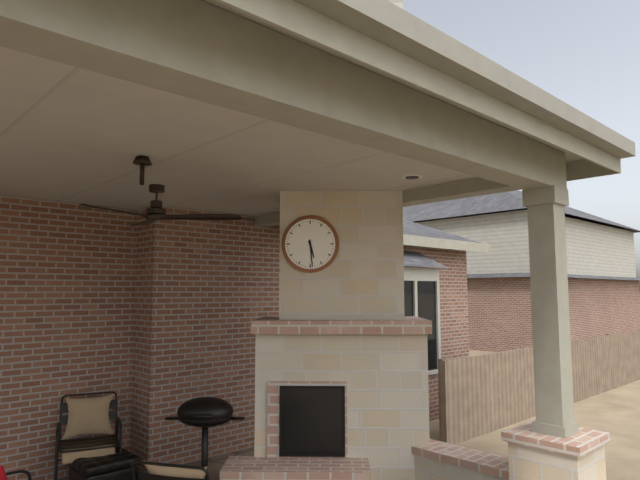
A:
h=5 m=29
